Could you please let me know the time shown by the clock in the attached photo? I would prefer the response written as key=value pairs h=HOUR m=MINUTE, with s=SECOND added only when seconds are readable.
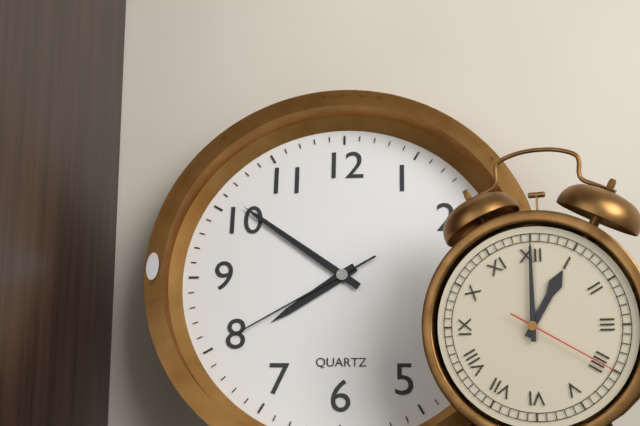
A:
h=7 m=51 s=40
